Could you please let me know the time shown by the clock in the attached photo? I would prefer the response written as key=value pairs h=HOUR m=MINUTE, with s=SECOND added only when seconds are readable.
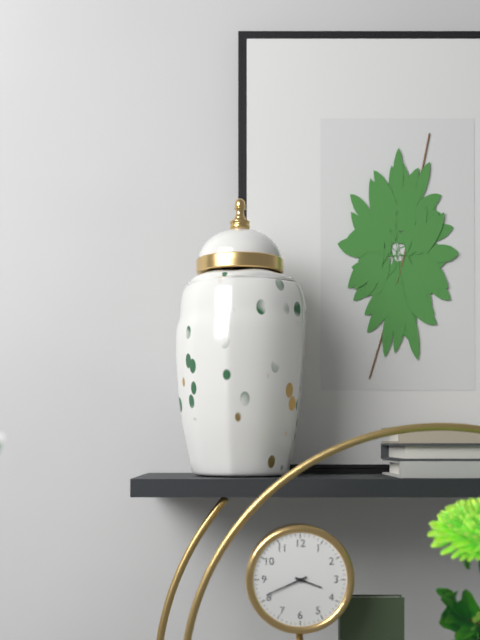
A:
h=3 m=41
